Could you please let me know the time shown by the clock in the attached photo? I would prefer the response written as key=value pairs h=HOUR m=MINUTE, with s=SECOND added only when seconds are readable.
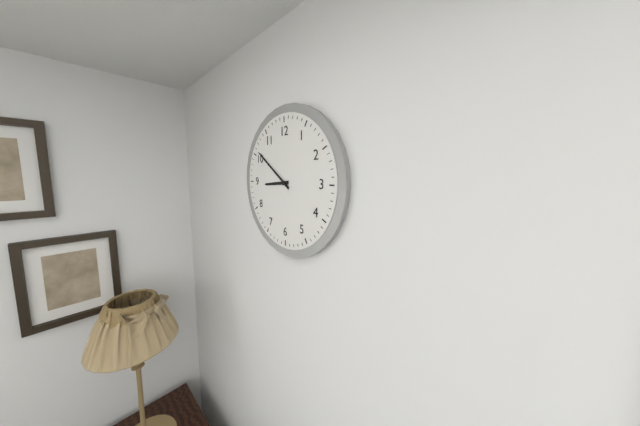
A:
h=8 m=51
